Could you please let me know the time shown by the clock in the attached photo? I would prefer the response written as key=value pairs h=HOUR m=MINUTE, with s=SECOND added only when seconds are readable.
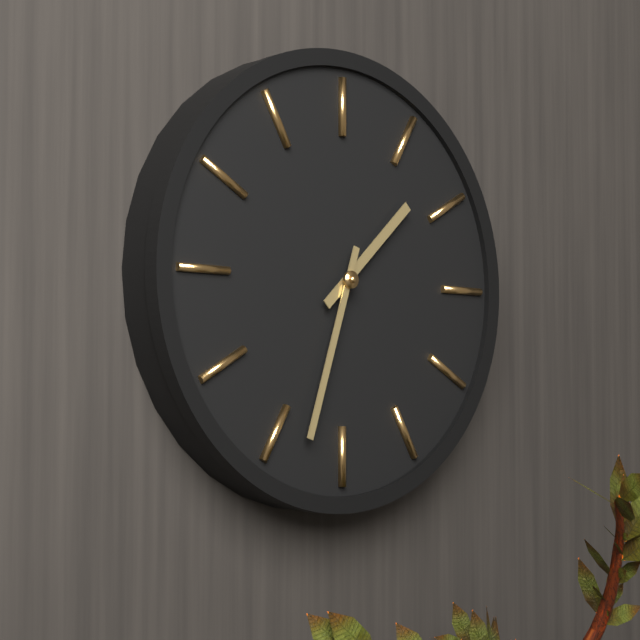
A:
h=1 m=33
